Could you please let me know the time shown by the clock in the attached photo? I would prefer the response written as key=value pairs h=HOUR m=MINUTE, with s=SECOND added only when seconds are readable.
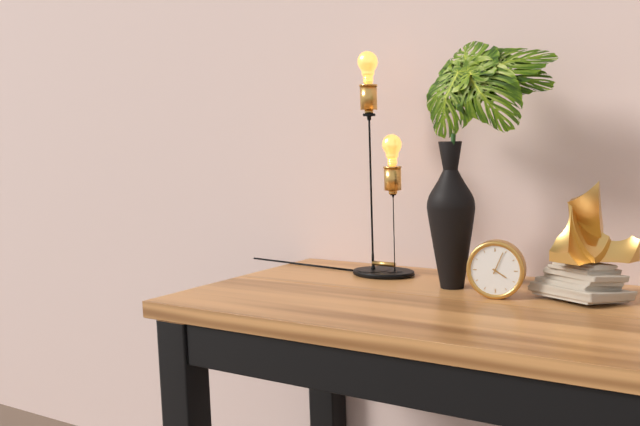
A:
h=4 m=4
